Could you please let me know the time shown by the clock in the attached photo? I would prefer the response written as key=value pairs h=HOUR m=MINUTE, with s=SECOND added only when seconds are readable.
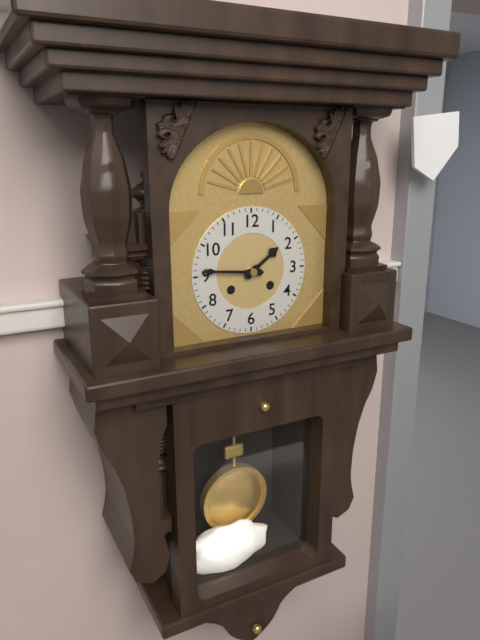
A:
h=1 m=46
